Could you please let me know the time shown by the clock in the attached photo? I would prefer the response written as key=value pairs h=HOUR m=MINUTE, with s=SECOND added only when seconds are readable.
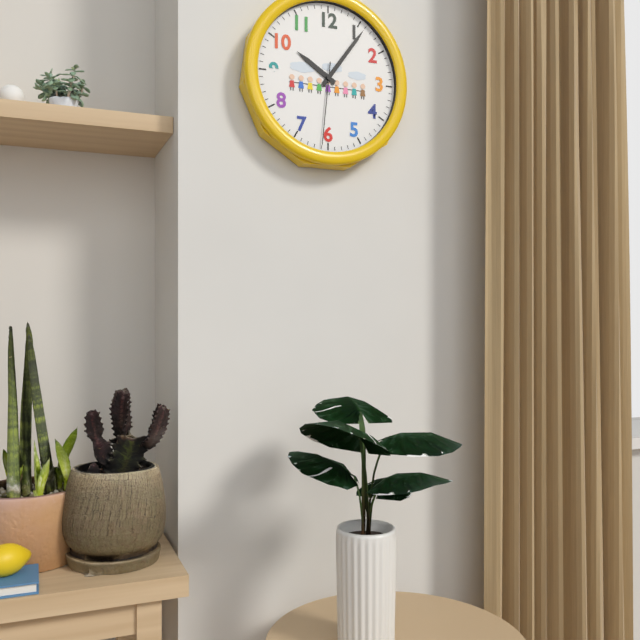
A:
h=10 m=6 s=31
